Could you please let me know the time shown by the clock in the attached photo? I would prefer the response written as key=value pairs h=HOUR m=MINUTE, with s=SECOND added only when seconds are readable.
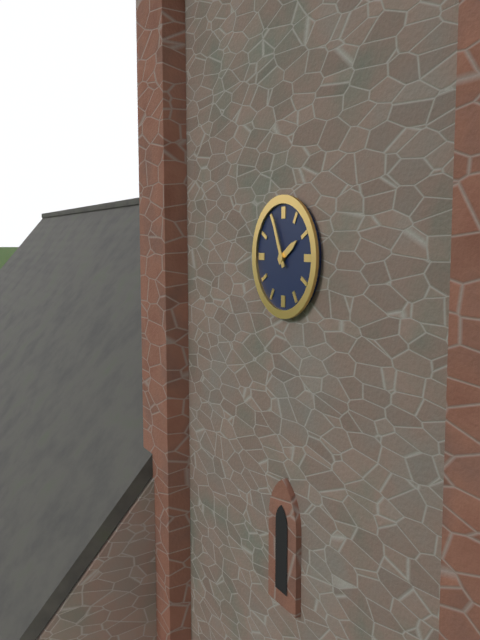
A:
h=1 m=56
